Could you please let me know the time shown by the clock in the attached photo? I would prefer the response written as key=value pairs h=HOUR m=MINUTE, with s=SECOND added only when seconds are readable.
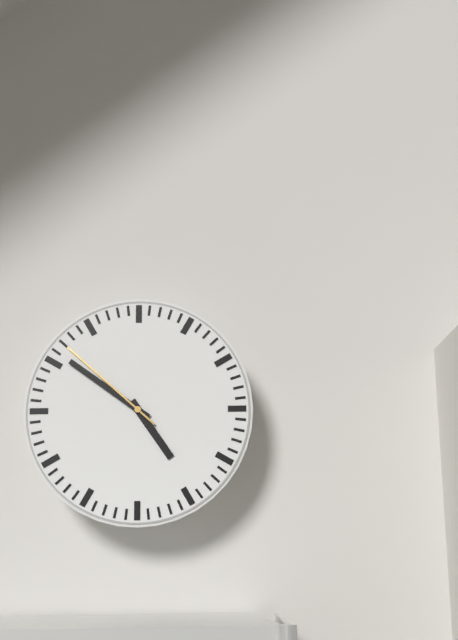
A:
h=4 m=51 s=52
